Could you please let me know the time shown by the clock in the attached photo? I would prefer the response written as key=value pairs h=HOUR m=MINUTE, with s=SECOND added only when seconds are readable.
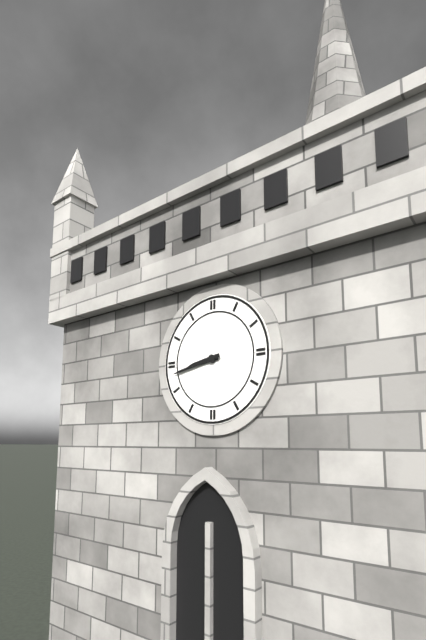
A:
h=8 m=43
